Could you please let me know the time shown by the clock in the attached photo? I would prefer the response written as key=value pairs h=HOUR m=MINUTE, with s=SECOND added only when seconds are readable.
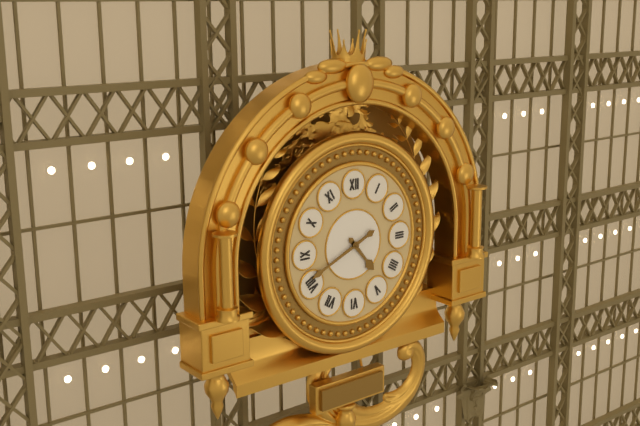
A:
h=4 m=41
